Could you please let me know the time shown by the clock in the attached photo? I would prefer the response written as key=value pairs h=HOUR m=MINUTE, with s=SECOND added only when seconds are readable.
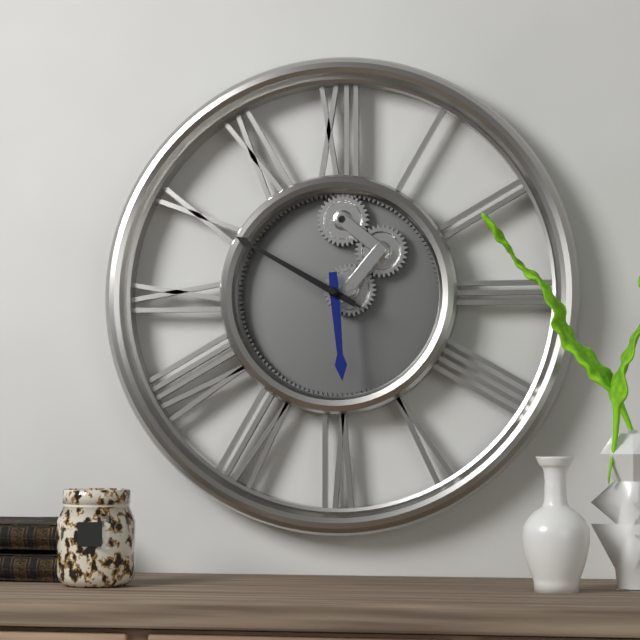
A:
h=5 m=50 s=50
